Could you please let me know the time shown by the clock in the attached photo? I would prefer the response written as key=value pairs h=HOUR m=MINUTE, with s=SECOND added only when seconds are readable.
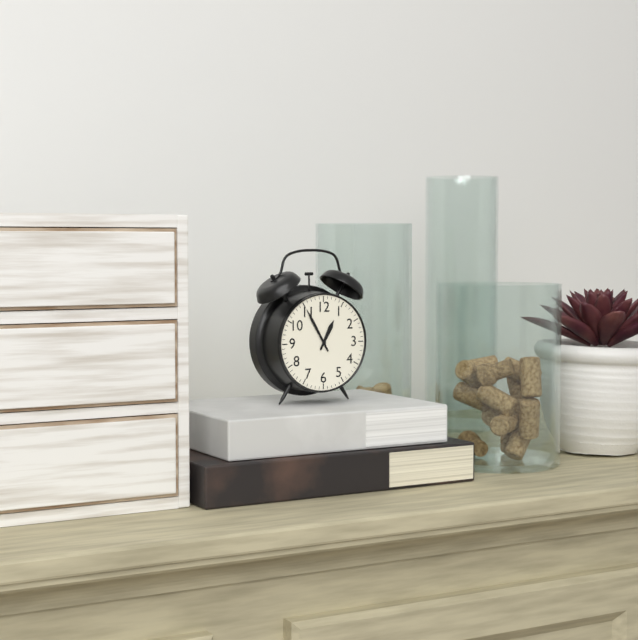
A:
h=12 m=55
